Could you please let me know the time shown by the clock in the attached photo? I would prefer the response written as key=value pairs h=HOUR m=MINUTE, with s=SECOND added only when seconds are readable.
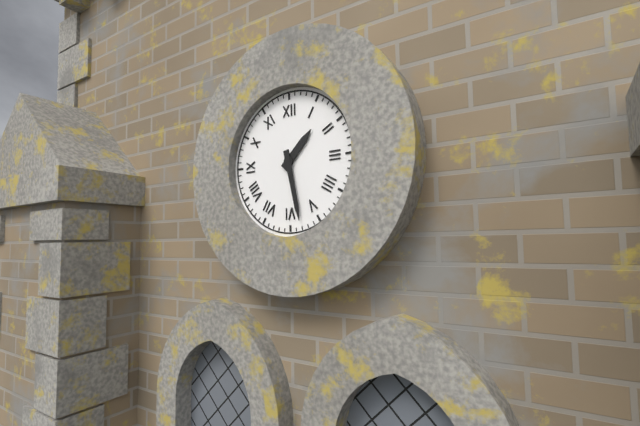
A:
h=1 m=28
